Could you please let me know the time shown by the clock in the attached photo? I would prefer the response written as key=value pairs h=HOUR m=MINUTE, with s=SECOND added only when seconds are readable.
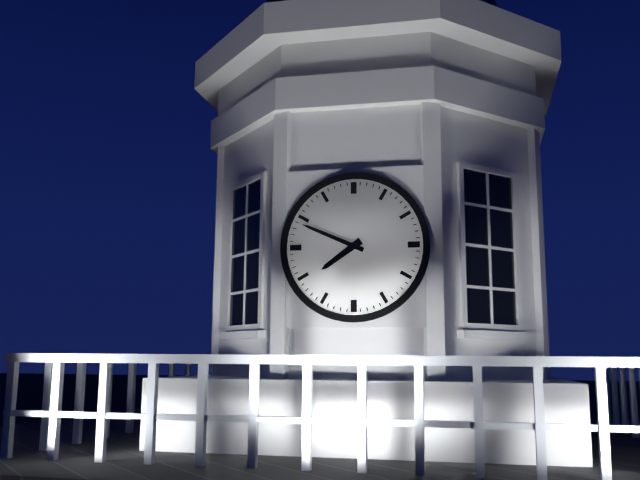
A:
h=7 m=49
